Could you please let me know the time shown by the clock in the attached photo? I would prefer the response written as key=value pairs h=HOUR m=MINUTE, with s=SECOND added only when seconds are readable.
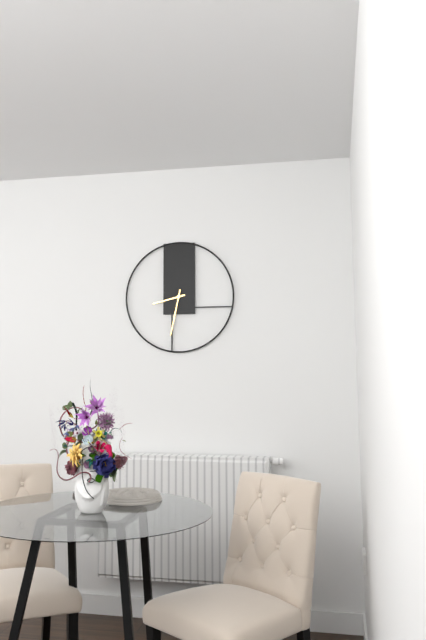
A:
h=8 m=32
